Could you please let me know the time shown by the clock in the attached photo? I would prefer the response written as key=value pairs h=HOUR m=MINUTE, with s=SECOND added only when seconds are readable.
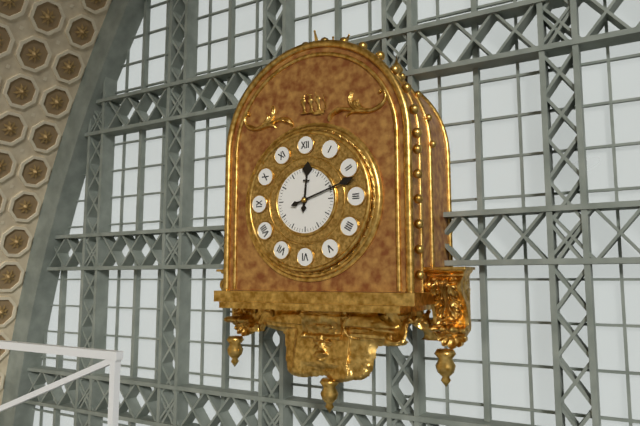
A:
h=12 m=12
